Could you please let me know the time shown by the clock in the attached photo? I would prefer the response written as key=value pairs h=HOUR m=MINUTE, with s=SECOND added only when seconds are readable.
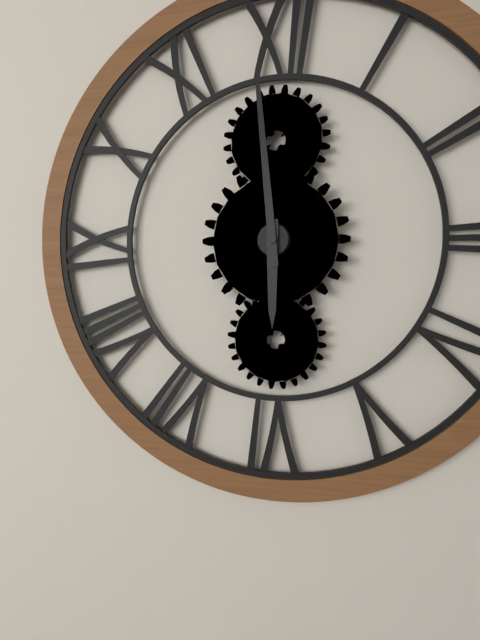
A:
h=5 m=59
